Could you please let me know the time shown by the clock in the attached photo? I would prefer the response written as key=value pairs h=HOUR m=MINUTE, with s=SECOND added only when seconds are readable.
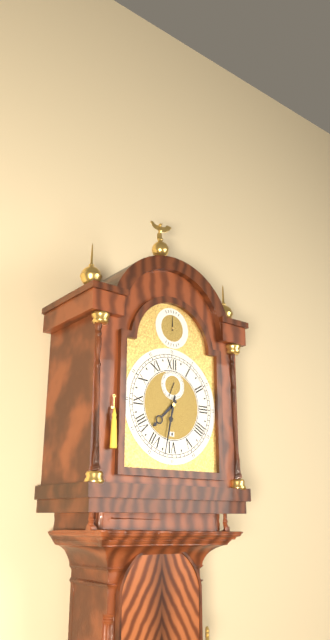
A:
h=7 m=32
